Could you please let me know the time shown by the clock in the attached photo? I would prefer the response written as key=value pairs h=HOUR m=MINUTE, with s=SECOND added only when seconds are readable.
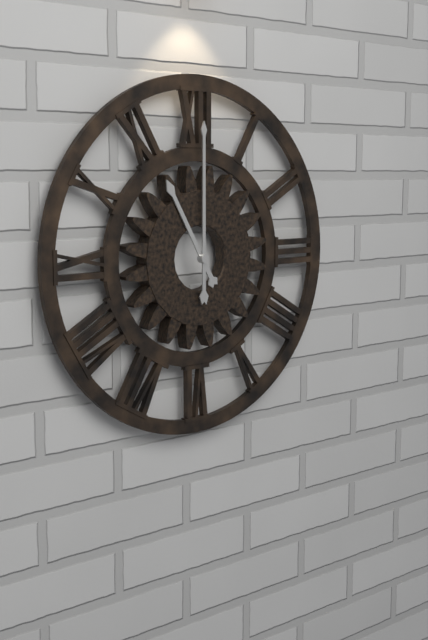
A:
h=11 m=0
